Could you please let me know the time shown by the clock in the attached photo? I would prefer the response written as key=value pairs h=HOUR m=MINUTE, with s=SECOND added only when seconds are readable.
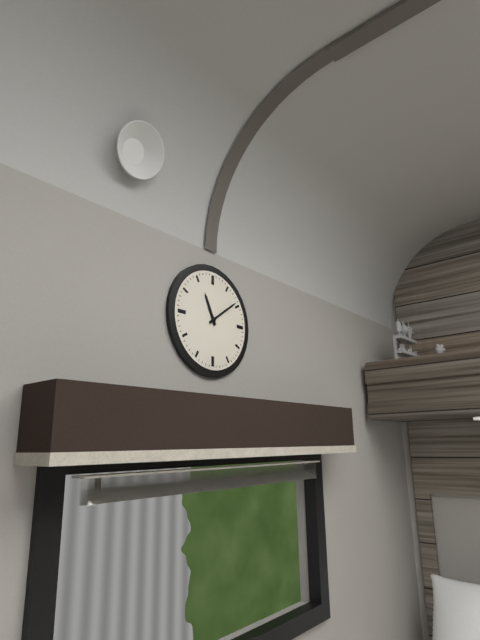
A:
h=11 m=9
